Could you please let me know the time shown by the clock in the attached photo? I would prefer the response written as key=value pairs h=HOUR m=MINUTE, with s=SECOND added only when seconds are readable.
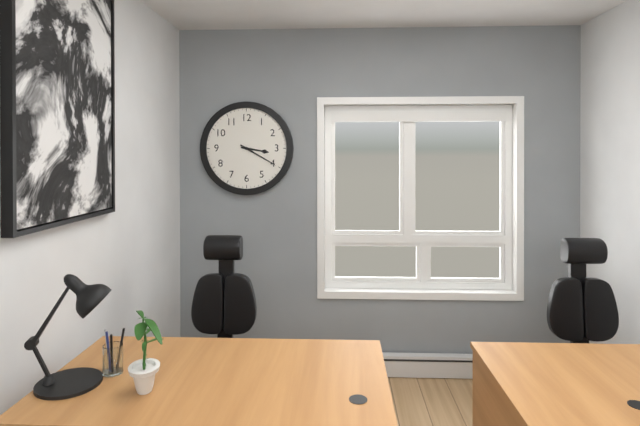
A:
h=3 m=20
